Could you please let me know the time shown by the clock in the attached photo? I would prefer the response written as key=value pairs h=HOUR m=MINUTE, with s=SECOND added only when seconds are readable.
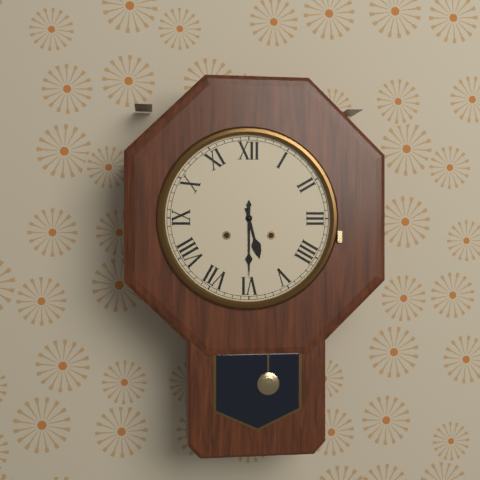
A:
h=5 m=30
